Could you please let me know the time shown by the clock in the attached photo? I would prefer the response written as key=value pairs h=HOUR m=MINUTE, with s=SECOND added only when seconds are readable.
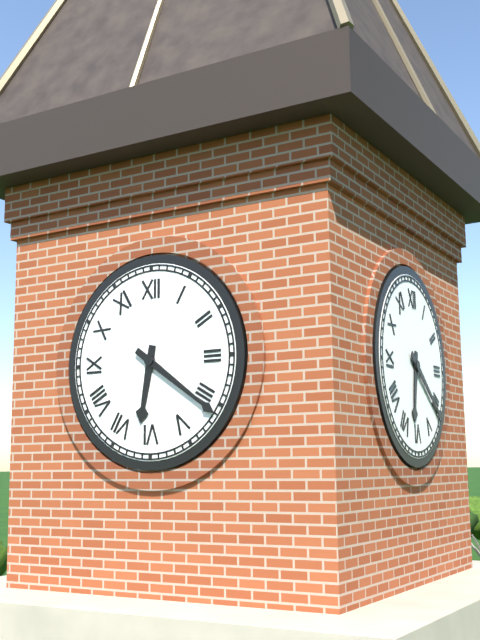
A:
h=6 m=21
